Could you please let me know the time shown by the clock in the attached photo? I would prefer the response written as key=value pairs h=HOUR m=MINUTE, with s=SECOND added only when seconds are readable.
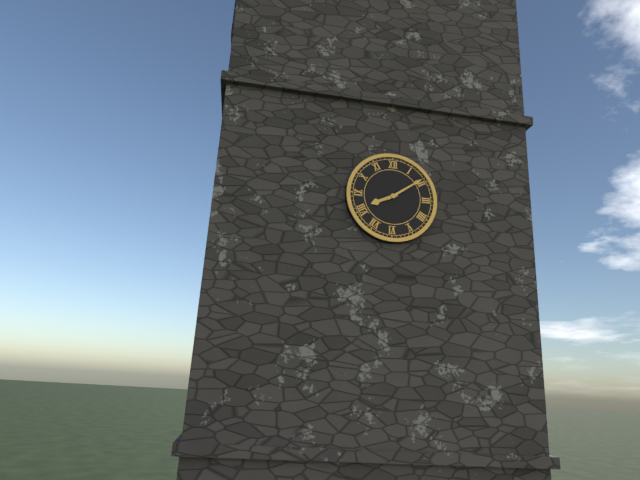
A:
h=8 m=9
